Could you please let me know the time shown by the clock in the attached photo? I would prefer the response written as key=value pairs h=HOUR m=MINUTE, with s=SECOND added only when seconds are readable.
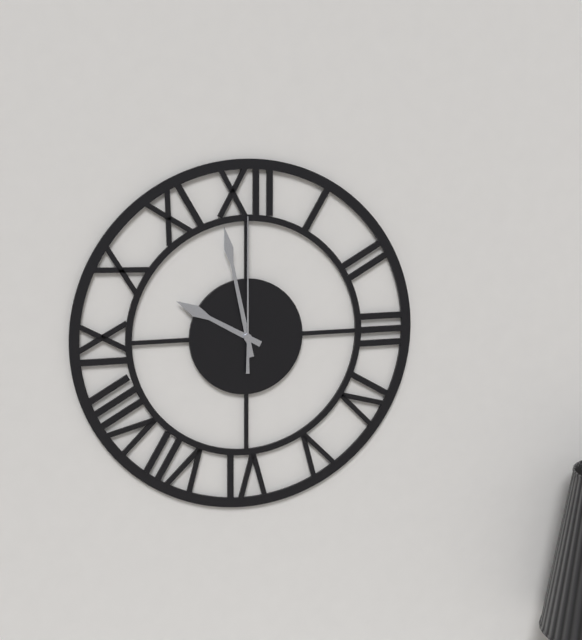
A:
h=9 m=58 s=0
